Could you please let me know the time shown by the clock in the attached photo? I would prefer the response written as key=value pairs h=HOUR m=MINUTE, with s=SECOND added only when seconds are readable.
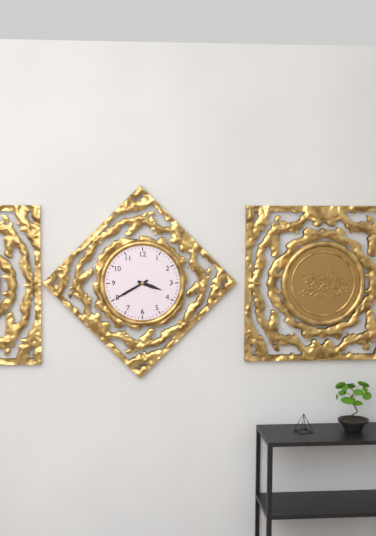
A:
h=3 m=40
